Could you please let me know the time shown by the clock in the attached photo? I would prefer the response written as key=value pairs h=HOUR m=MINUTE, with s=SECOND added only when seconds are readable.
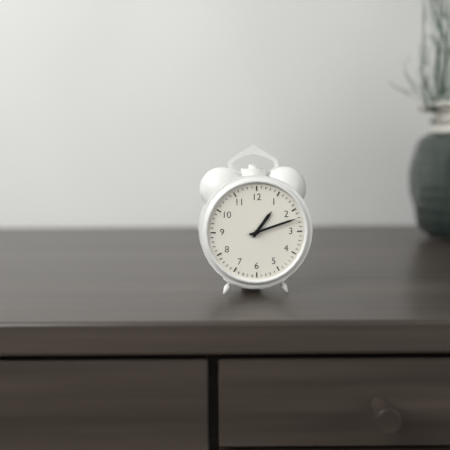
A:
h=1 m=12
